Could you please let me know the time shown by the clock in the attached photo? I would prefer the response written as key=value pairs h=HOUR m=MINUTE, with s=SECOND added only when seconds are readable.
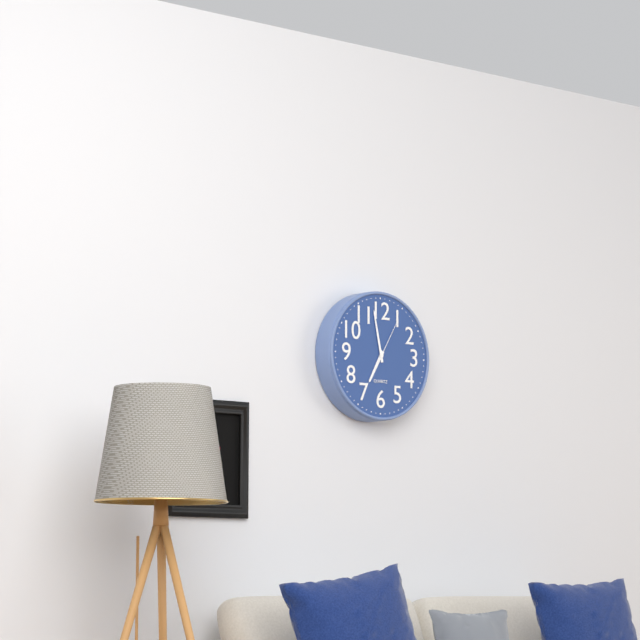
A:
h=6 m=58
